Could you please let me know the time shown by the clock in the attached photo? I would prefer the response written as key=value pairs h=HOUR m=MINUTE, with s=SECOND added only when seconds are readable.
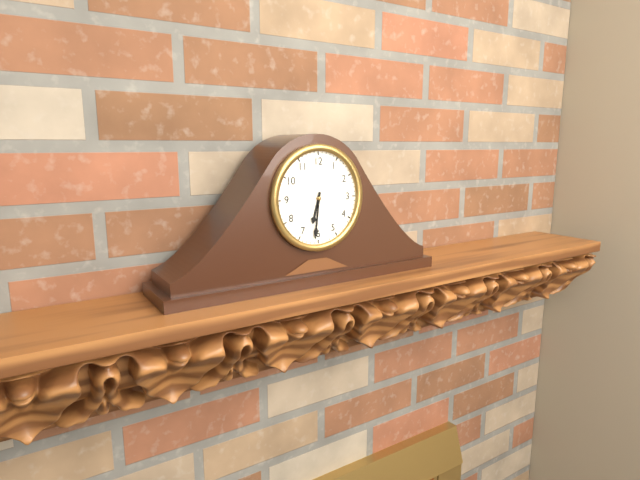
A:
h=6 m=31
